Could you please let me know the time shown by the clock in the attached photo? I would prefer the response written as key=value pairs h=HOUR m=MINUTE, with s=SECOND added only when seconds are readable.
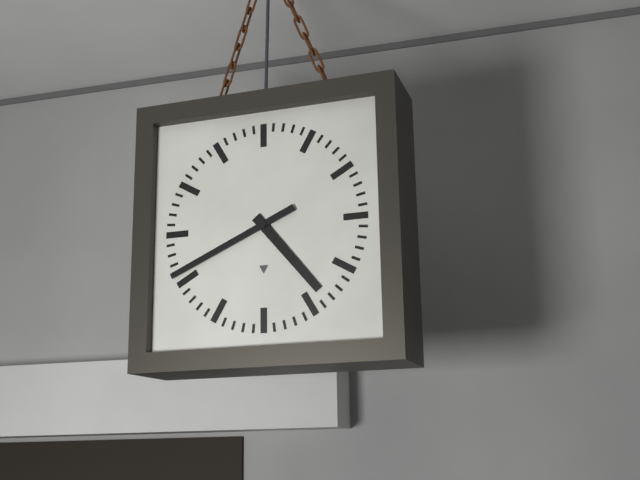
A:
h=4 m=41
